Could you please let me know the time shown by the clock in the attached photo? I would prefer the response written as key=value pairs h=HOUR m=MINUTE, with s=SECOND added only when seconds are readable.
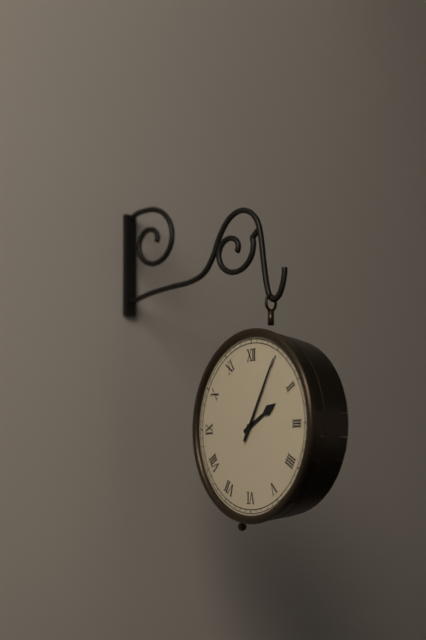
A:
h=2 m=5
